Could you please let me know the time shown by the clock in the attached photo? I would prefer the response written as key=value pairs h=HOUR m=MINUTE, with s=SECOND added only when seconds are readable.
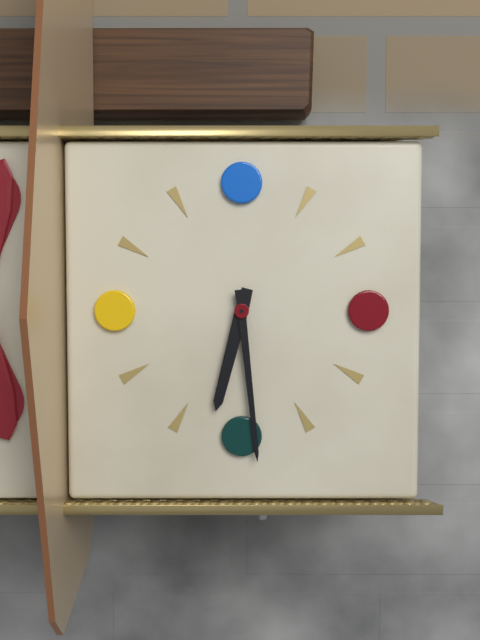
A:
h=6 m=29
